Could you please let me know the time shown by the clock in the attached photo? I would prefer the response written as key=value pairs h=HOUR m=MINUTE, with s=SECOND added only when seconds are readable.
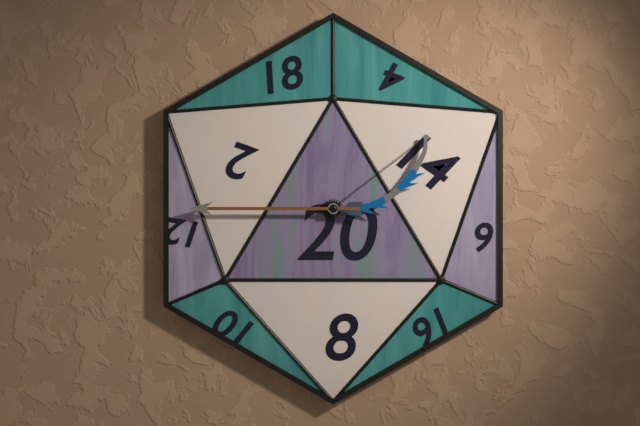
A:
h=1 m=45
